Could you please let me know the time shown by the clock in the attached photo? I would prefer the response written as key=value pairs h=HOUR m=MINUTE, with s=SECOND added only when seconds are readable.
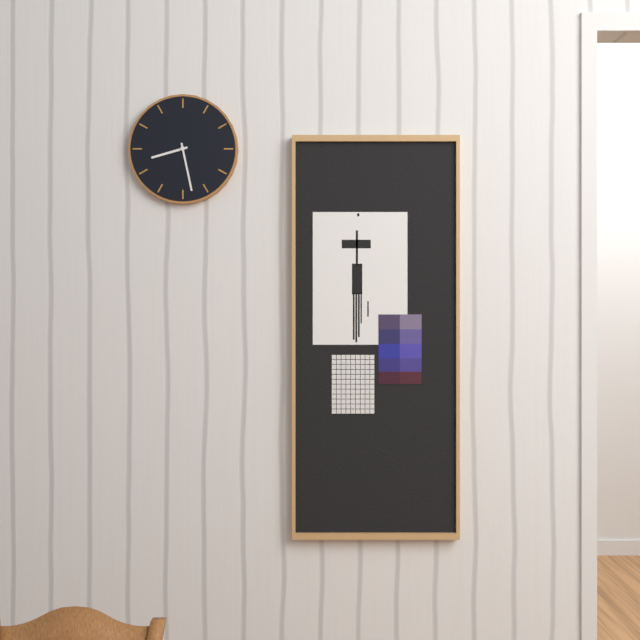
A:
h=8 m=28
